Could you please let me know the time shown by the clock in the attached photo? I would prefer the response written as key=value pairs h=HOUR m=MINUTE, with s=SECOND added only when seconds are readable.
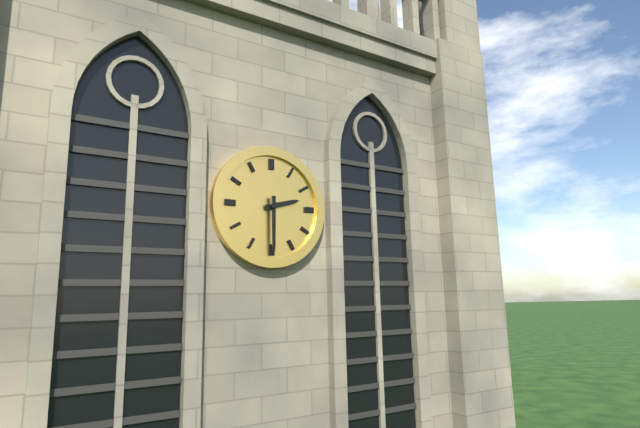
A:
h=2 m=30
